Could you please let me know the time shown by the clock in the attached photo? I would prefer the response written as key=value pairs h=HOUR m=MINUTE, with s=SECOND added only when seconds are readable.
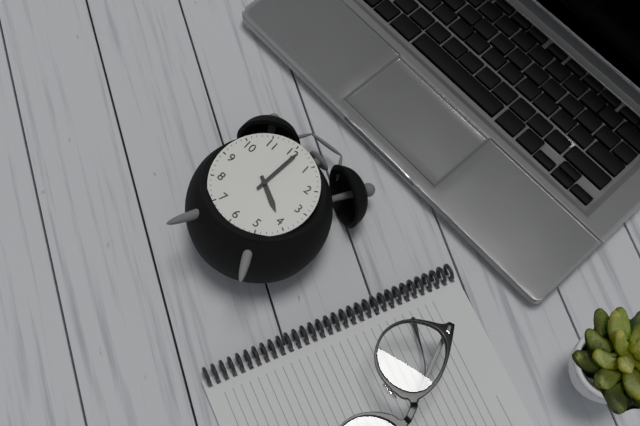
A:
h=4 m=1
